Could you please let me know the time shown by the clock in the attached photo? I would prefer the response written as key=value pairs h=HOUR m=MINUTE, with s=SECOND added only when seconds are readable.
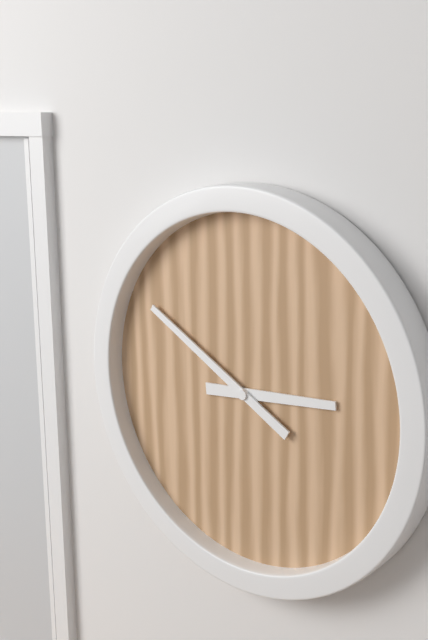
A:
h=2 m=50
